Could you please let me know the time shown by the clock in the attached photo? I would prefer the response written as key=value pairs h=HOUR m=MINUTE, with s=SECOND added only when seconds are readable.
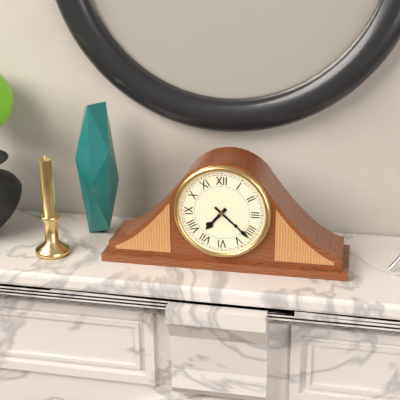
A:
h=7 m=22
